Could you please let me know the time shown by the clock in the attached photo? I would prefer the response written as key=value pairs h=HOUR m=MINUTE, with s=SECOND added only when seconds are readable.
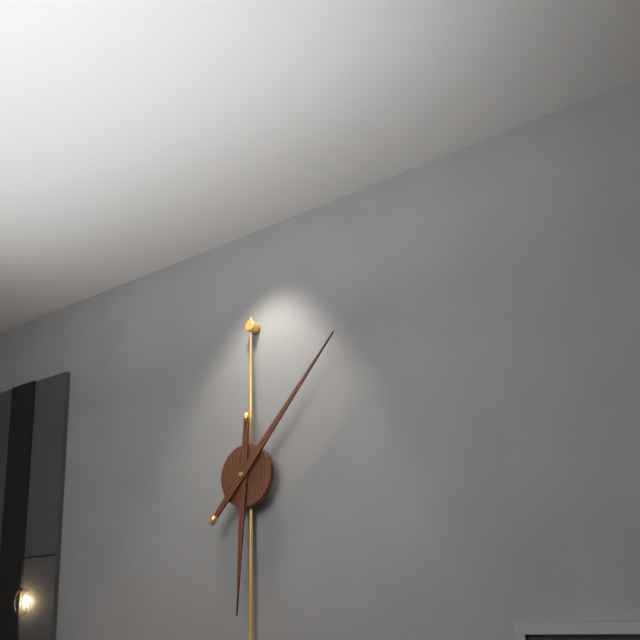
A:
h=6 m=7
